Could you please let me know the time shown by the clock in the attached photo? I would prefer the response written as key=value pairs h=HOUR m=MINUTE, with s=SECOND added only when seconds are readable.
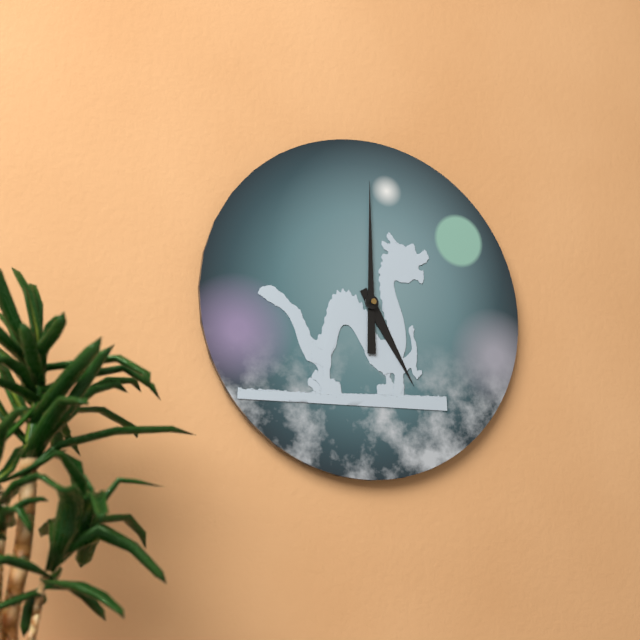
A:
h=5 m=0
